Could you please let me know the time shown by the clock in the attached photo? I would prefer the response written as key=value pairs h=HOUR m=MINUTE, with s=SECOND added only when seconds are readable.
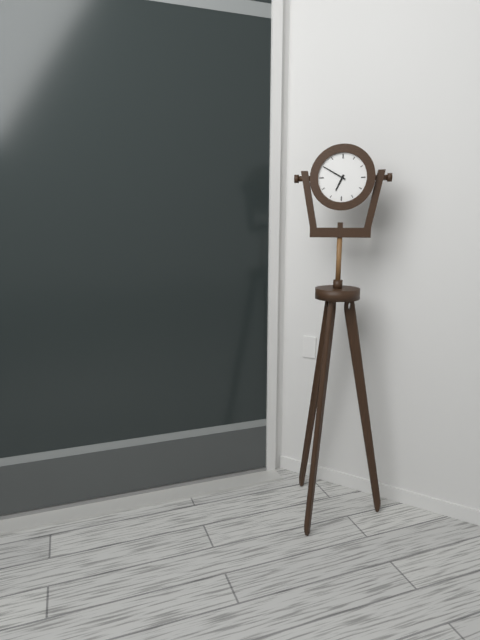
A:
h=6 m=50
